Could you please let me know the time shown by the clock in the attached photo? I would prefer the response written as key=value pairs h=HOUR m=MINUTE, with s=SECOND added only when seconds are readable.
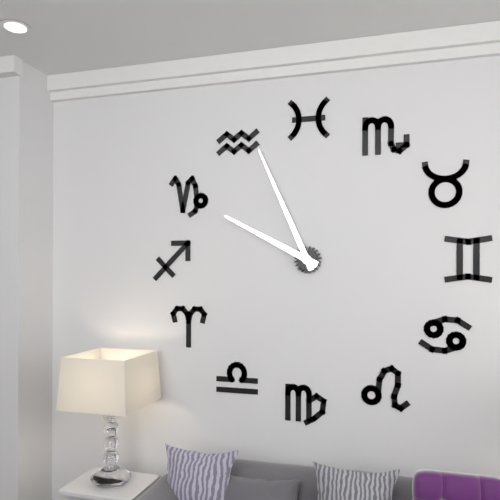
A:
h=9 m=56
